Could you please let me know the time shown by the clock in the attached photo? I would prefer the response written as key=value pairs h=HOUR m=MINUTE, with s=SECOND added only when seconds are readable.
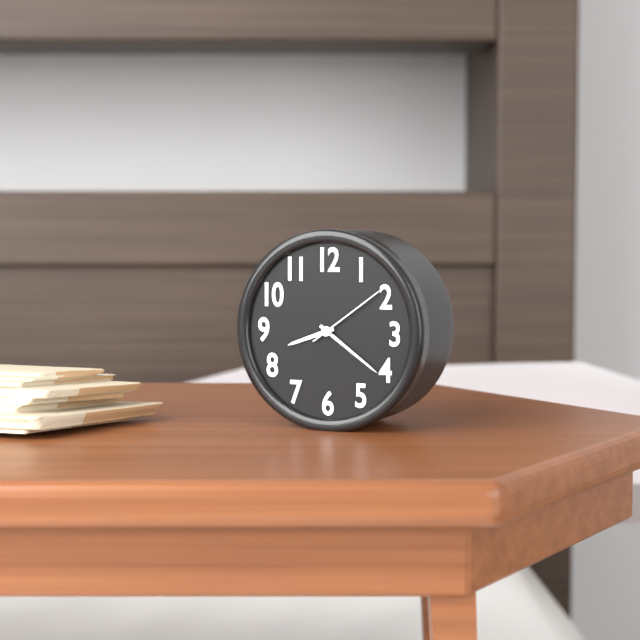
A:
h=8 m=21 s=9
